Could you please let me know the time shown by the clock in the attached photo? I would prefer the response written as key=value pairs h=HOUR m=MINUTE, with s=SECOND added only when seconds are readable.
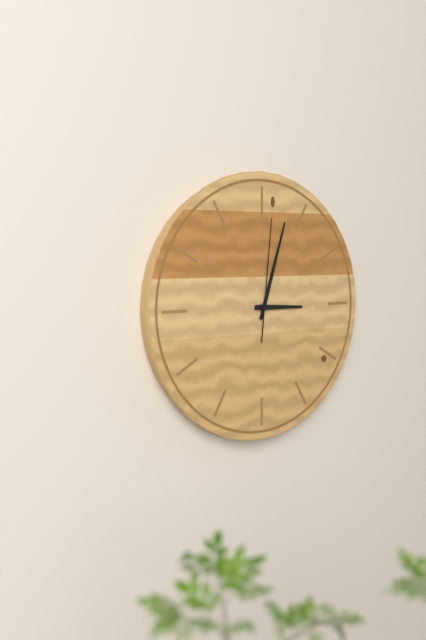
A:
h=3 m=3 s=1
